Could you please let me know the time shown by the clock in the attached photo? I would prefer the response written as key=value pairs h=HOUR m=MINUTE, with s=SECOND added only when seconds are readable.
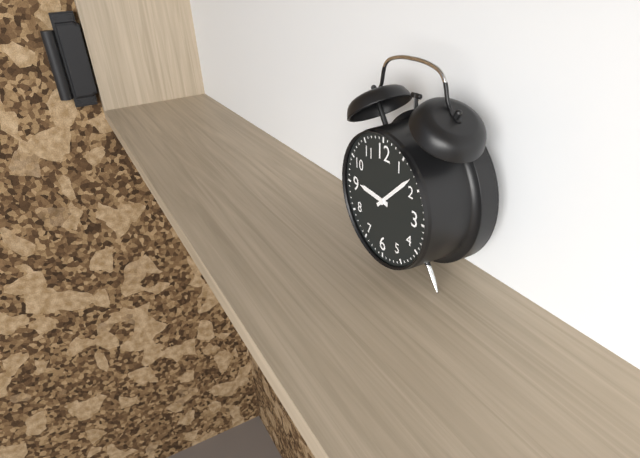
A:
h=9 m=8
